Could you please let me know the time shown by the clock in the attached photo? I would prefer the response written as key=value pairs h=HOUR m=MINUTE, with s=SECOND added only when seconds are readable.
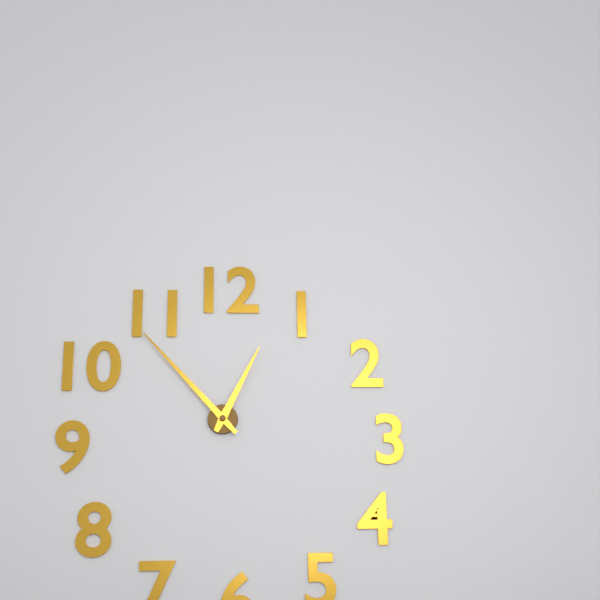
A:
h=12 m=53
